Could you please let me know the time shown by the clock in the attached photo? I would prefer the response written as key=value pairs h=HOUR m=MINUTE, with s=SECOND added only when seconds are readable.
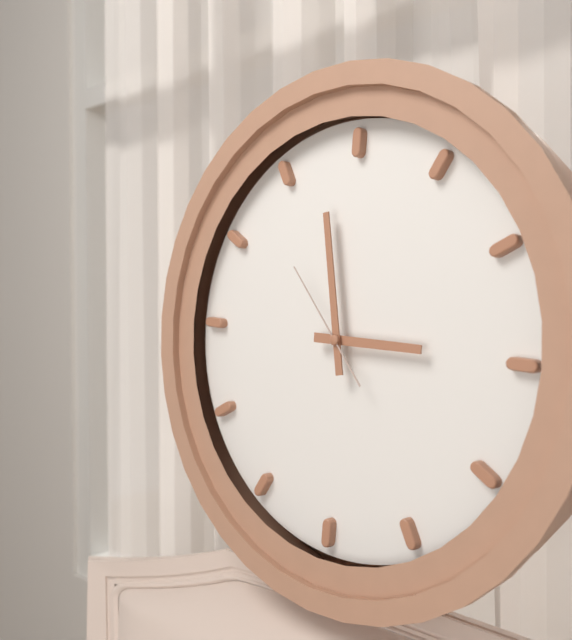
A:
h=2 m=58 s=53
